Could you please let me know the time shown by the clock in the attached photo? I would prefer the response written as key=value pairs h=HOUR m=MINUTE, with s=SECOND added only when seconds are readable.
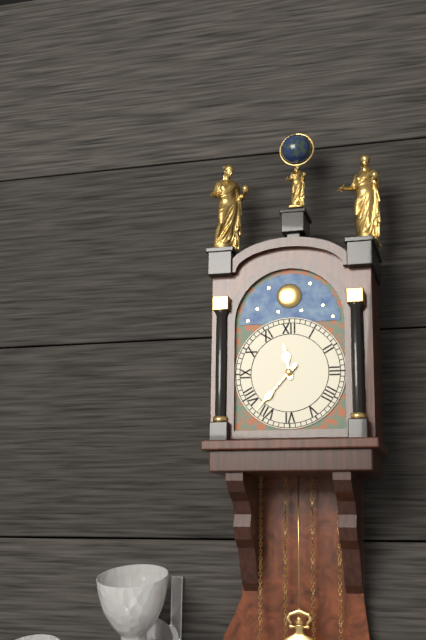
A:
h=11 m=37
